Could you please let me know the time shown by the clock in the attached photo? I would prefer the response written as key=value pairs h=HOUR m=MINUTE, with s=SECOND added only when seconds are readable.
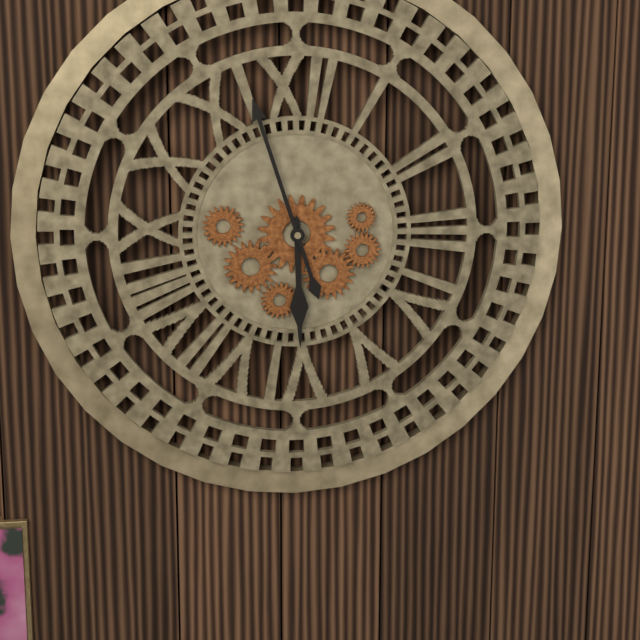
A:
h=5 m=57
